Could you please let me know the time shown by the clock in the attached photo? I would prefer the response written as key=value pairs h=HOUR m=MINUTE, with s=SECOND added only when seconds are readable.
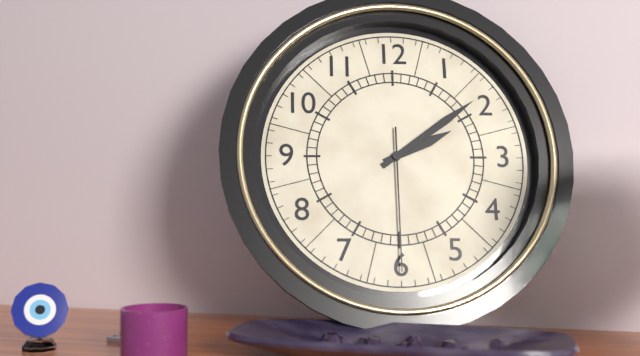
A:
h=2 m=9 s=30
